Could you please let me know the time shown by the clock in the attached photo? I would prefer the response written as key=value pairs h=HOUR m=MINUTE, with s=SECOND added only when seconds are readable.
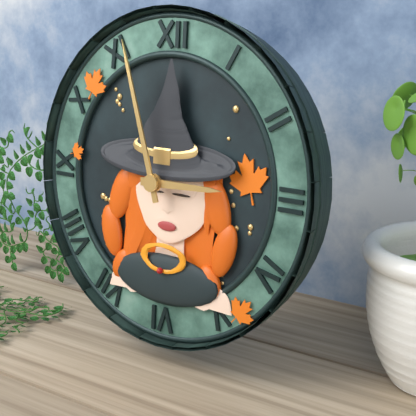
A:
h=2 m=57
